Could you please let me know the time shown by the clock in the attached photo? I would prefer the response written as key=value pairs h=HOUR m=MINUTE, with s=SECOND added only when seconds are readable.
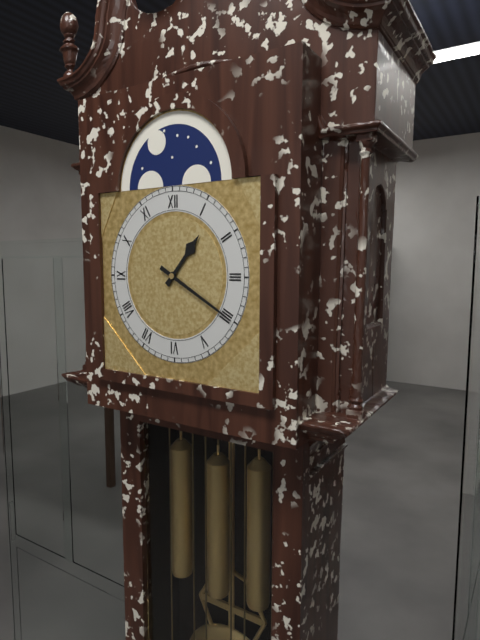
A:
h=1 m=20
